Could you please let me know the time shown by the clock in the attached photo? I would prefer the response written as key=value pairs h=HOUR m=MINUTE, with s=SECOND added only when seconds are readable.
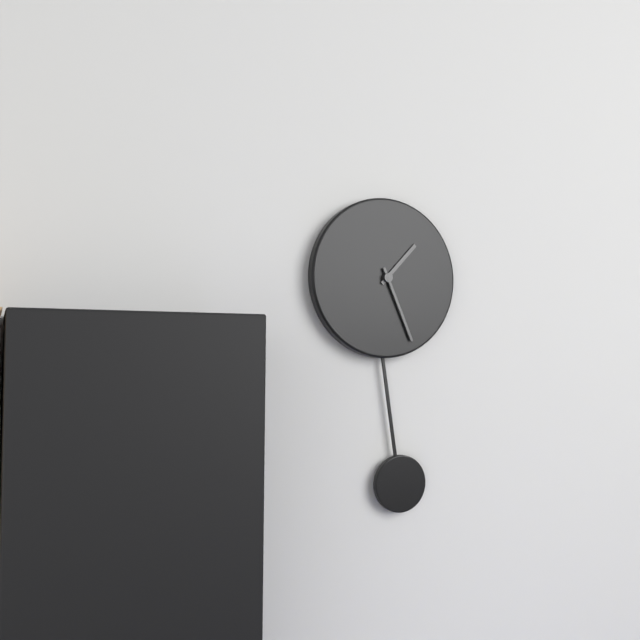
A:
h=1 m=26
